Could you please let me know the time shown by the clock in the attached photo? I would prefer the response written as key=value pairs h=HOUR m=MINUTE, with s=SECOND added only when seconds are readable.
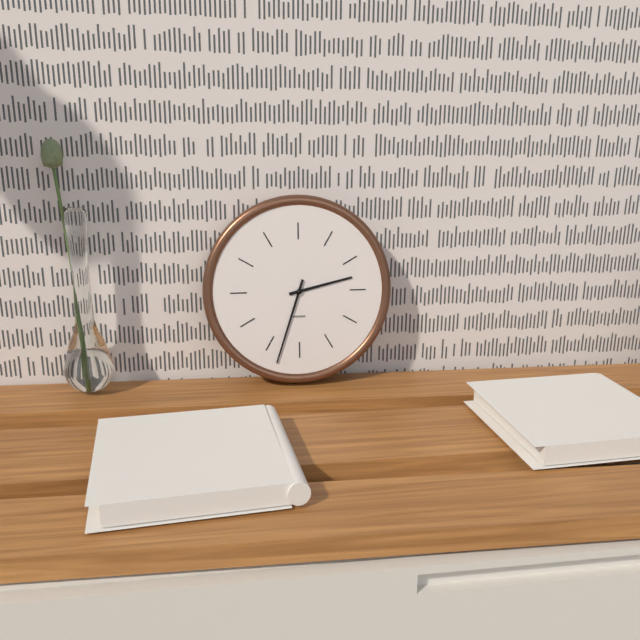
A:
h=2 m=33
